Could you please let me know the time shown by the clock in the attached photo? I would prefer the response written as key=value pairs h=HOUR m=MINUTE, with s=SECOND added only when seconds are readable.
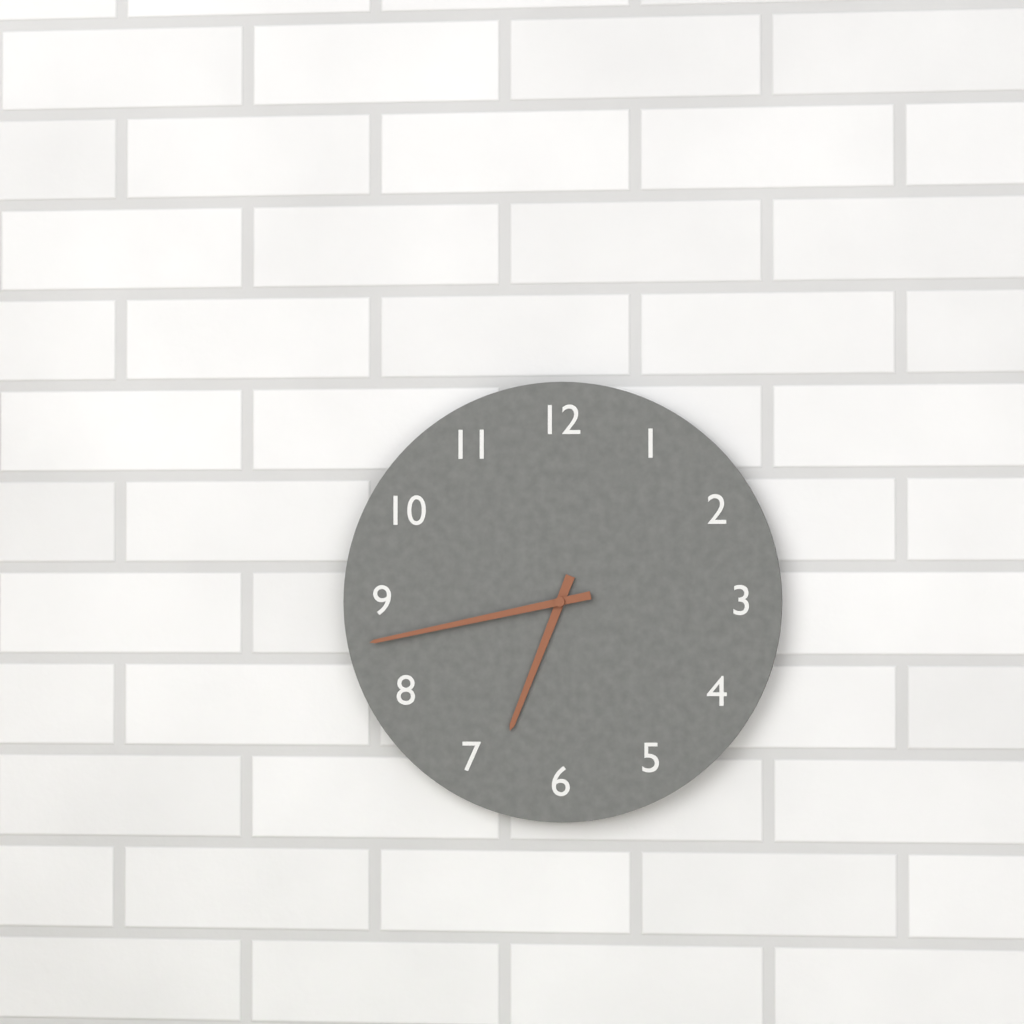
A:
h=6 m=43
